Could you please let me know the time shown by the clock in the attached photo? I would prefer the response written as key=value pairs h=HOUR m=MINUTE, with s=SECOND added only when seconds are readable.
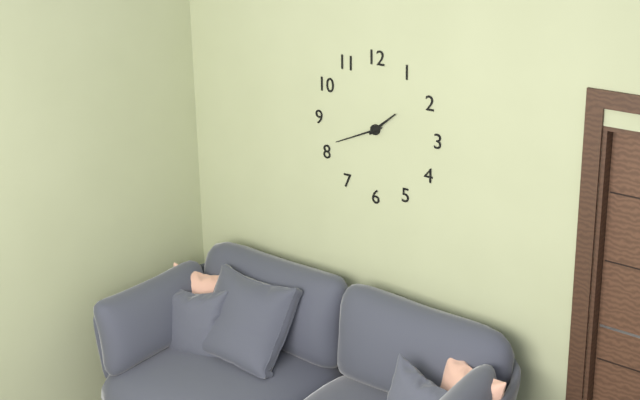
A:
h=1 m=41
